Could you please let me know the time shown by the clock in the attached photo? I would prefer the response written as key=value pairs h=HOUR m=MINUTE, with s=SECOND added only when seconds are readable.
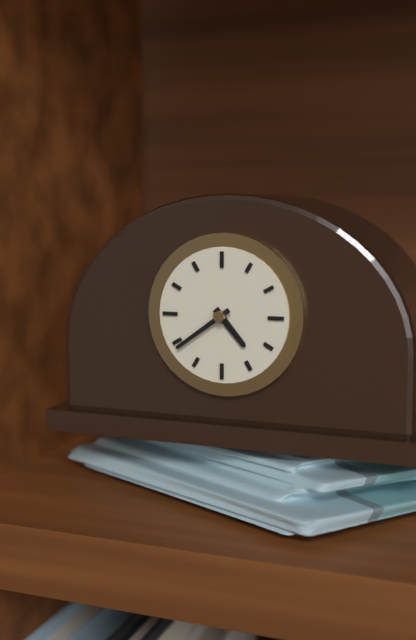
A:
h=4 m=39
